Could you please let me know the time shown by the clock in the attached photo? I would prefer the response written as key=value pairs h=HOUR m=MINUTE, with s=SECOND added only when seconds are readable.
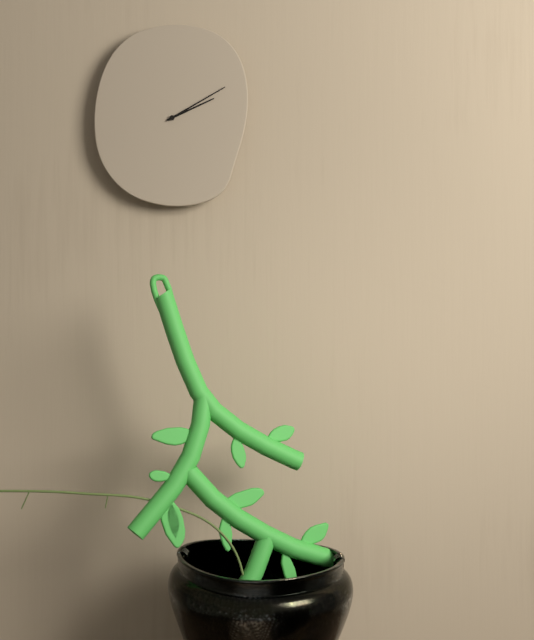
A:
h=2 m=10
